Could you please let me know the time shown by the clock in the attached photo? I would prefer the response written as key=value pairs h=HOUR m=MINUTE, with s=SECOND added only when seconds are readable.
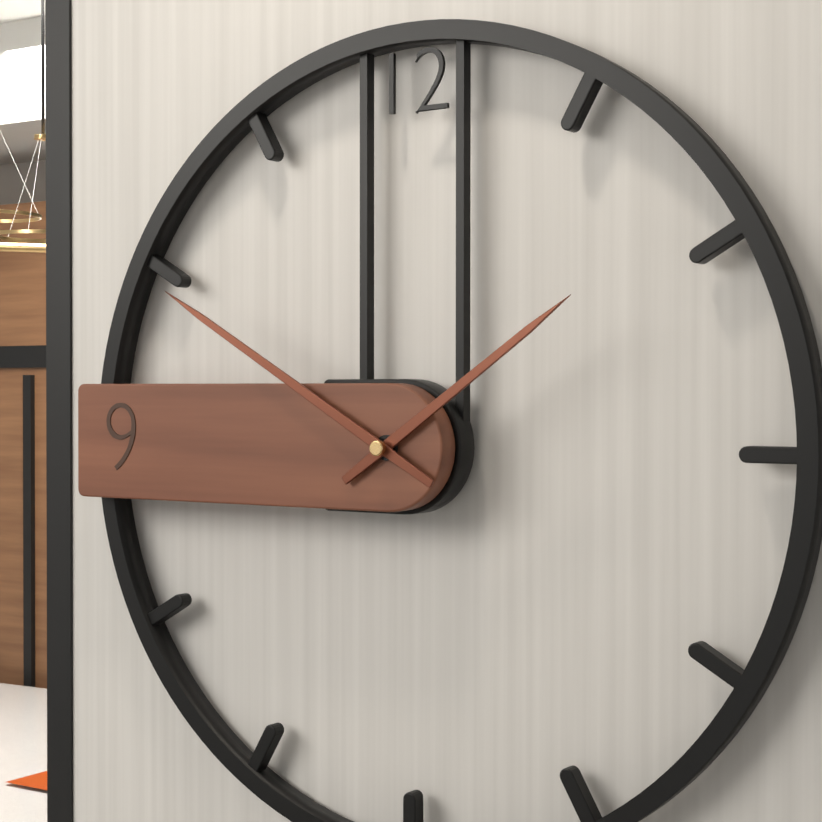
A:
h=1 m=50
